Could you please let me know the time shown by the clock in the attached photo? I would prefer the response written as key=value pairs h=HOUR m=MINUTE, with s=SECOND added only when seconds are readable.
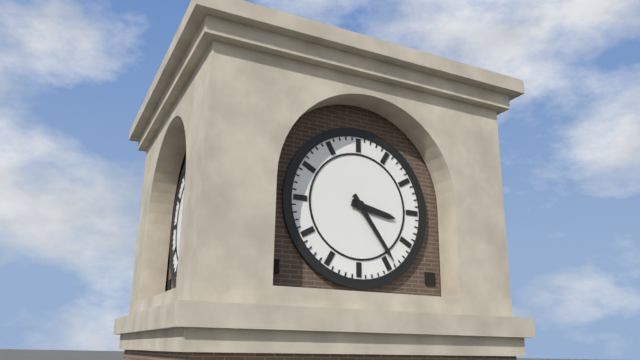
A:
h=3 m=24
